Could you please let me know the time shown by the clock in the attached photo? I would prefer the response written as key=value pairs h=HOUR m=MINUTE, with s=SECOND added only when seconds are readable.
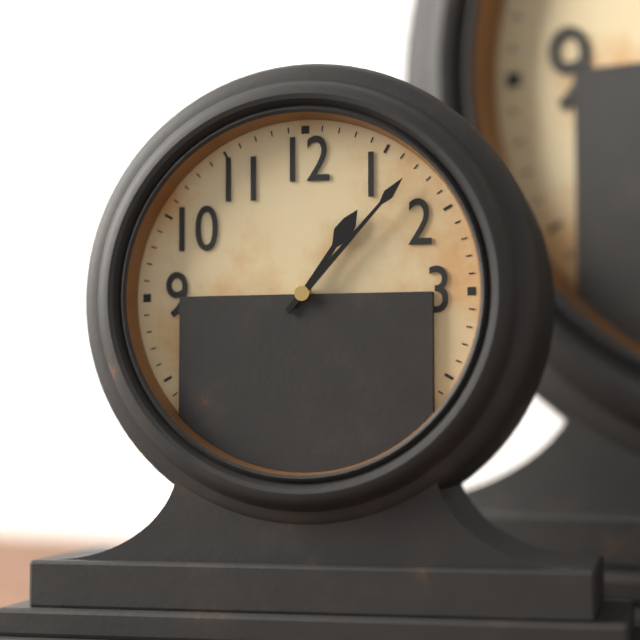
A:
h=1 m=7
